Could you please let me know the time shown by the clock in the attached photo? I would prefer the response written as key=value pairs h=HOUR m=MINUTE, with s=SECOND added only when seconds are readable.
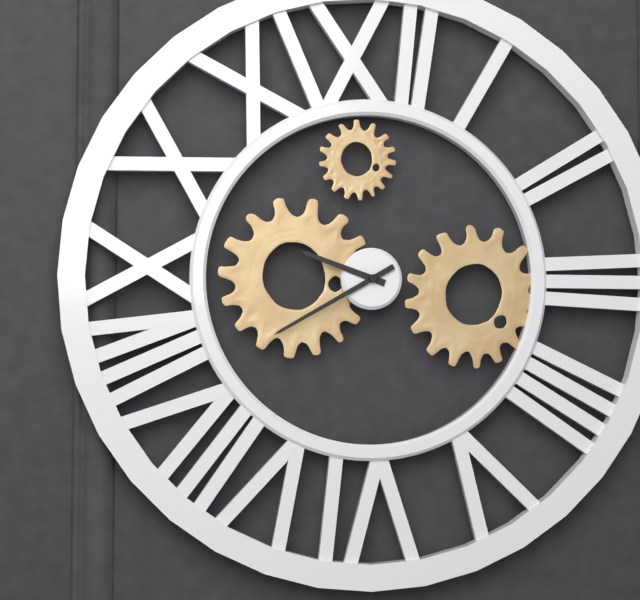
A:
h=9 m=40
